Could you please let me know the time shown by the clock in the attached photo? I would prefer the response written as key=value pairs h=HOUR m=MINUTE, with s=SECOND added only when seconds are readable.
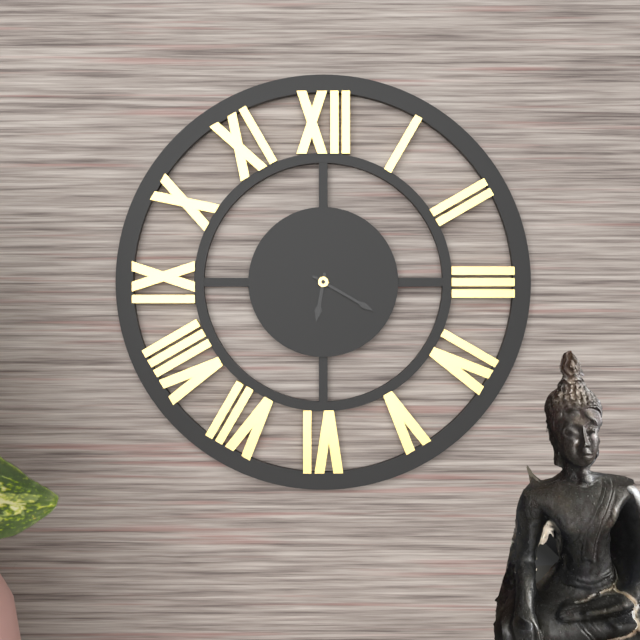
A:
h=6 m=20
